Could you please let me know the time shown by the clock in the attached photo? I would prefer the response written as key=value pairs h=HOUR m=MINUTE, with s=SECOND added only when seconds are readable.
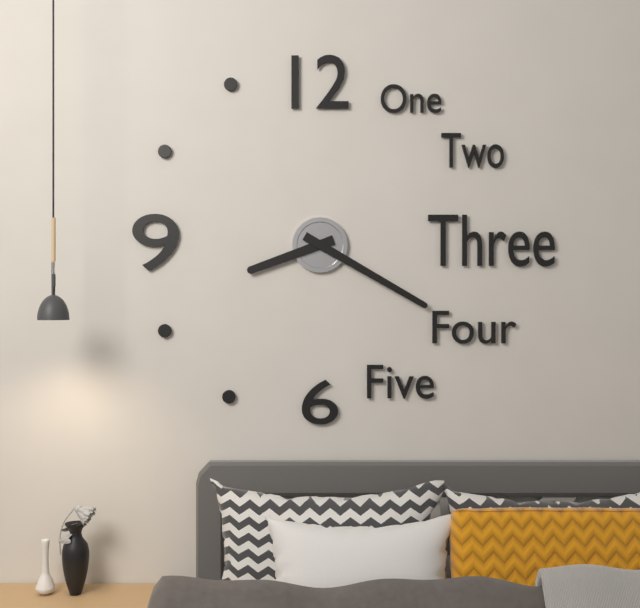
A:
h=8 m=20
